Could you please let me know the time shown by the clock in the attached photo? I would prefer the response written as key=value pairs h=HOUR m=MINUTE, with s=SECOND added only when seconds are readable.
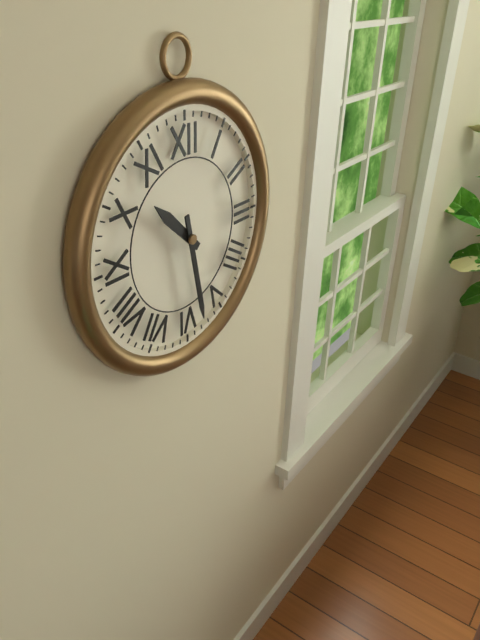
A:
h=10 m=28
